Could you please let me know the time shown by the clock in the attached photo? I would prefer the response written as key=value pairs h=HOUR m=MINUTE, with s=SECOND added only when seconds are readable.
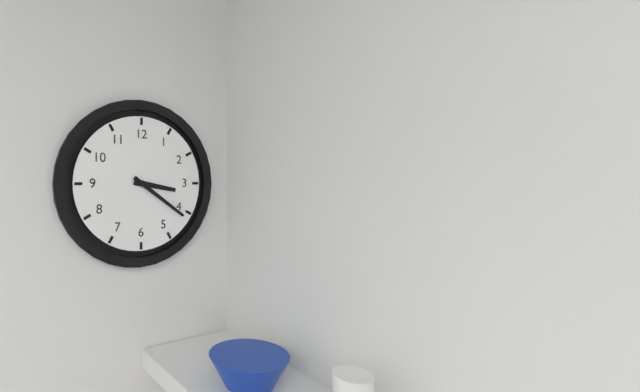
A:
h=3 m=21
